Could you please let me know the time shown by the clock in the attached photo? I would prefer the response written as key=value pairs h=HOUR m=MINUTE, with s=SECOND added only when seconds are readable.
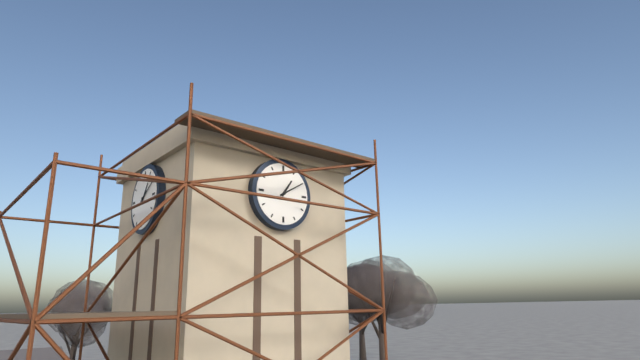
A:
h=1 m=10
